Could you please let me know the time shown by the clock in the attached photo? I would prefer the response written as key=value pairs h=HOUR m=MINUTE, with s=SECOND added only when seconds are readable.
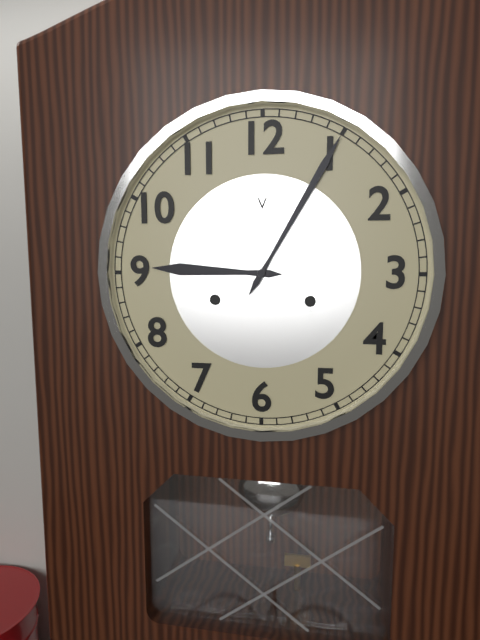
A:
h=9 m=5
